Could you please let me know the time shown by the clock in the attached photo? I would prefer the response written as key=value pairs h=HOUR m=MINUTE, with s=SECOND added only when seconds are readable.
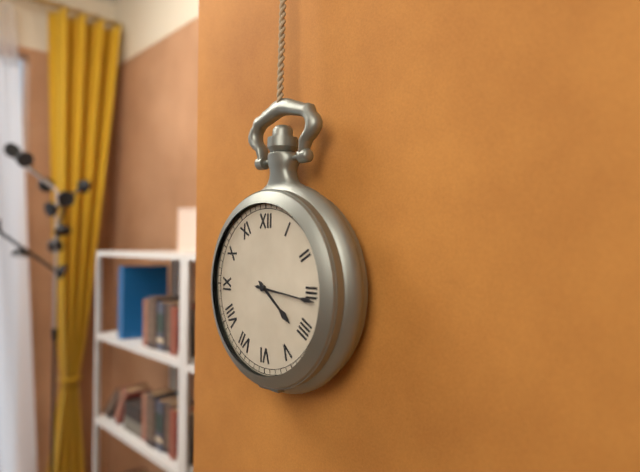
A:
h=4 m=16
